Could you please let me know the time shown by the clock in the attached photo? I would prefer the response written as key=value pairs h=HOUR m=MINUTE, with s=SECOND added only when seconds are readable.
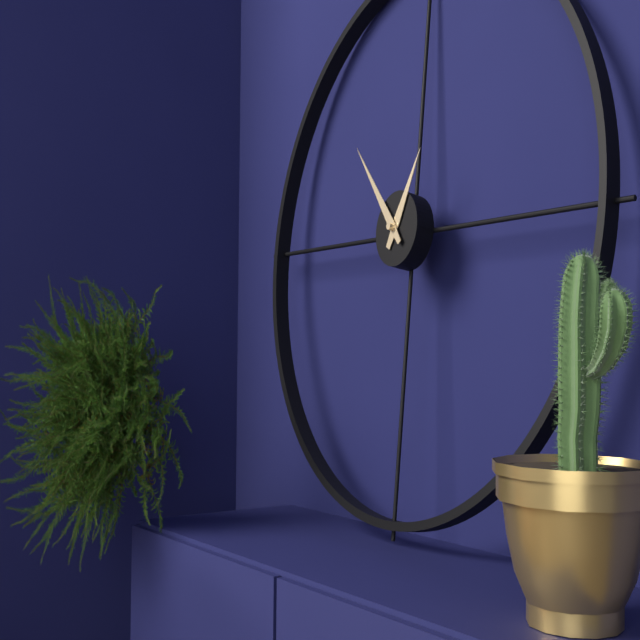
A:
h=12 m=53
